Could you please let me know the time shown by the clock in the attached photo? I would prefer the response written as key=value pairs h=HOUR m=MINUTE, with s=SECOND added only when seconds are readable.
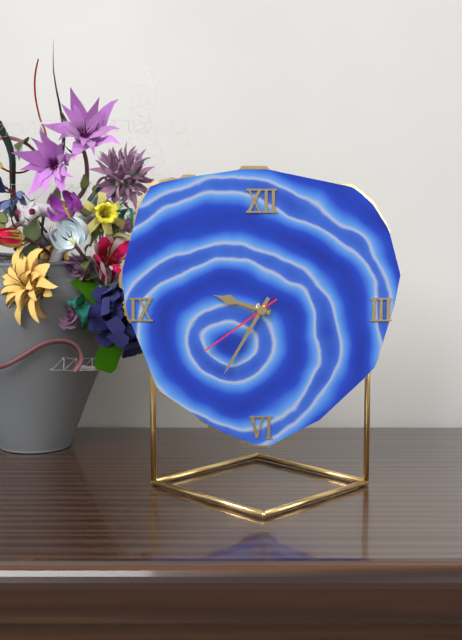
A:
h=9 m=35 s=39
